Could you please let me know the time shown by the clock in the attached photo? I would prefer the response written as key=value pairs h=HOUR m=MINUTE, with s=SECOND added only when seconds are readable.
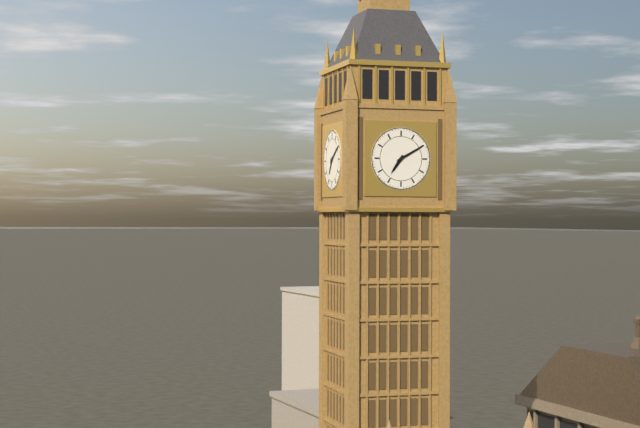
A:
h=7 m=10
